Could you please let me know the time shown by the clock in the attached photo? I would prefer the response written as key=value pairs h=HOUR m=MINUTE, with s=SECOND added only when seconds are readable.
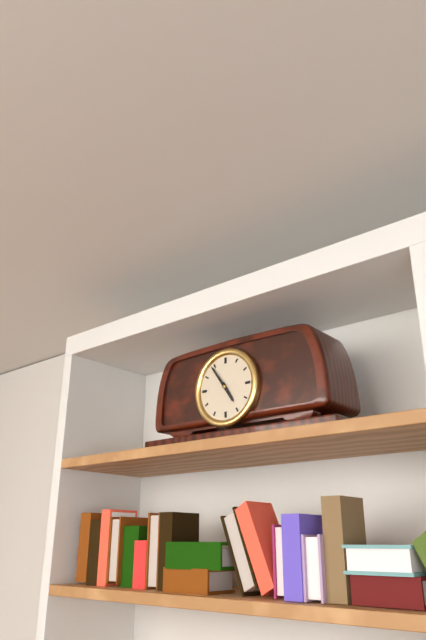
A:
h=4 m=54
